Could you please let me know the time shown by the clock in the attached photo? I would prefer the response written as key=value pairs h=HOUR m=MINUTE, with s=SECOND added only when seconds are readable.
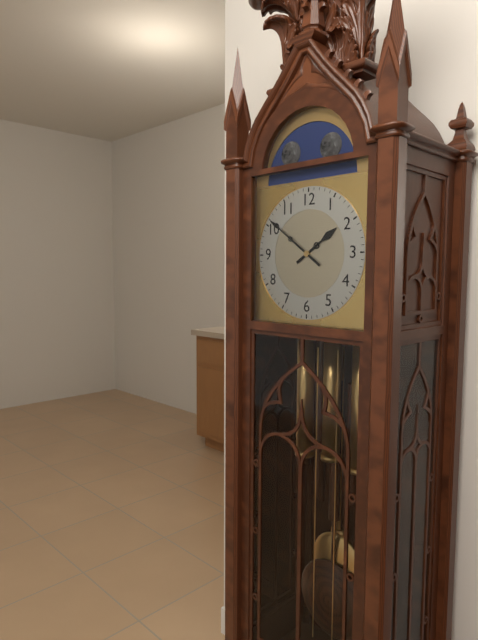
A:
h=1 m=51
